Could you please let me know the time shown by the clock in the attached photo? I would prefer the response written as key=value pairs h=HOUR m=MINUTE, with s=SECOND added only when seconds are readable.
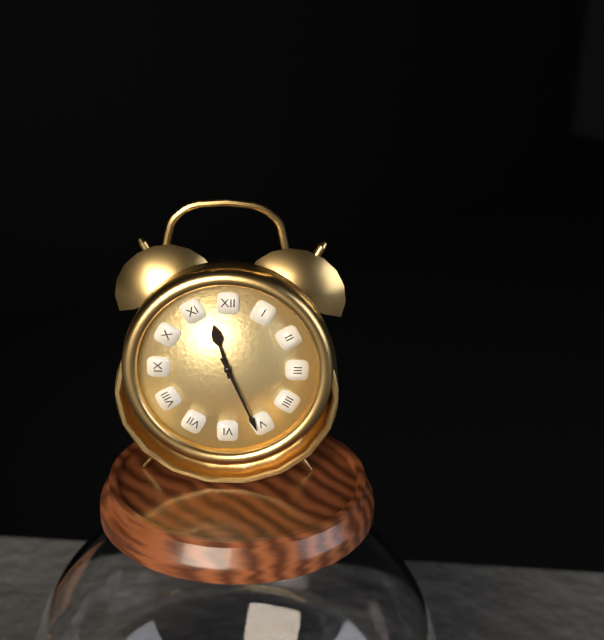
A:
h=11 m=26
